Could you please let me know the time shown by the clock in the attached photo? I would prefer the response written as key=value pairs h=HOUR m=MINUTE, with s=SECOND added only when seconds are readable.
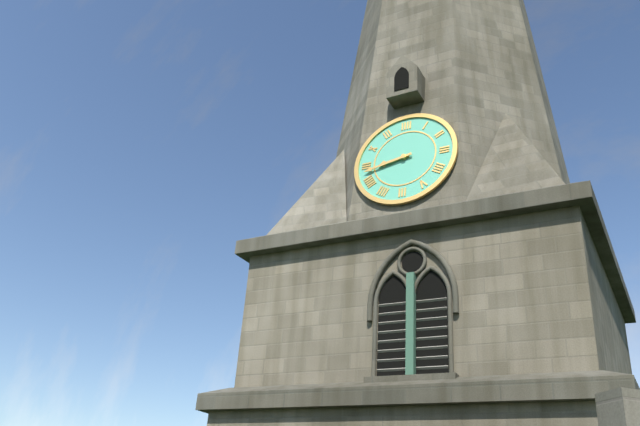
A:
h=8 m=43
